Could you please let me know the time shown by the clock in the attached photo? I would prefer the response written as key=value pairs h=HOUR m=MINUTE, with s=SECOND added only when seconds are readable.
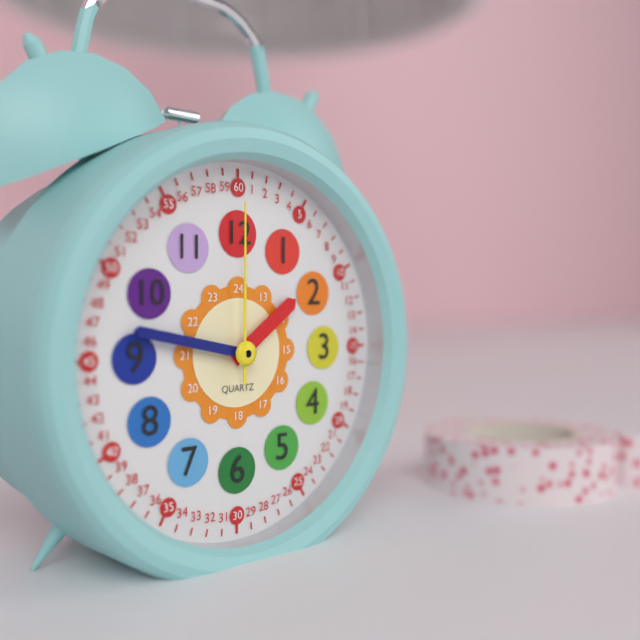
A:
h=1 m=47 s=0
